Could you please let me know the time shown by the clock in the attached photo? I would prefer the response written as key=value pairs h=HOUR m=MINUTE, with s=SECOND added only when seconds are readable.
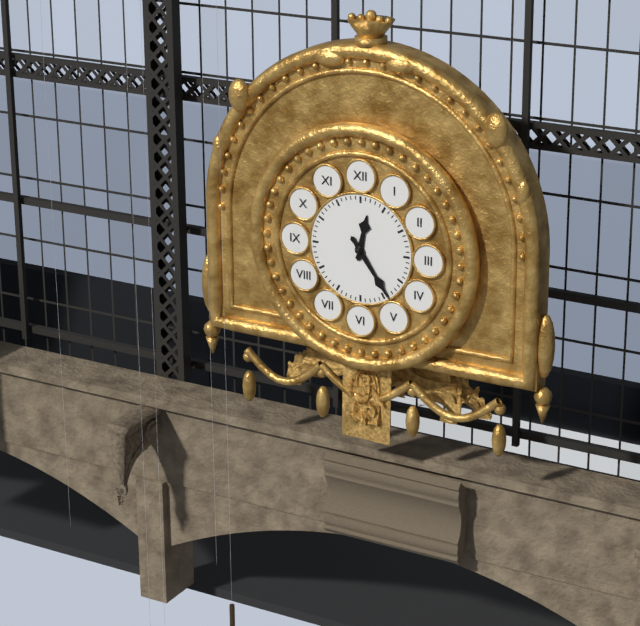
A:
h=12 m=24
